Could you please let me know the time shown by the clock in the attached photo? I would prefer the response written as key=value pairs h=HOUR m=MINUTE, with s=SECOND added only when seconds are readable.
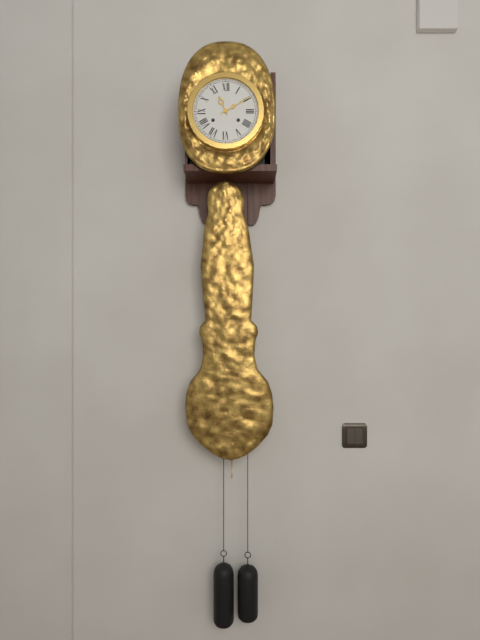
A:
h=11 m=10
